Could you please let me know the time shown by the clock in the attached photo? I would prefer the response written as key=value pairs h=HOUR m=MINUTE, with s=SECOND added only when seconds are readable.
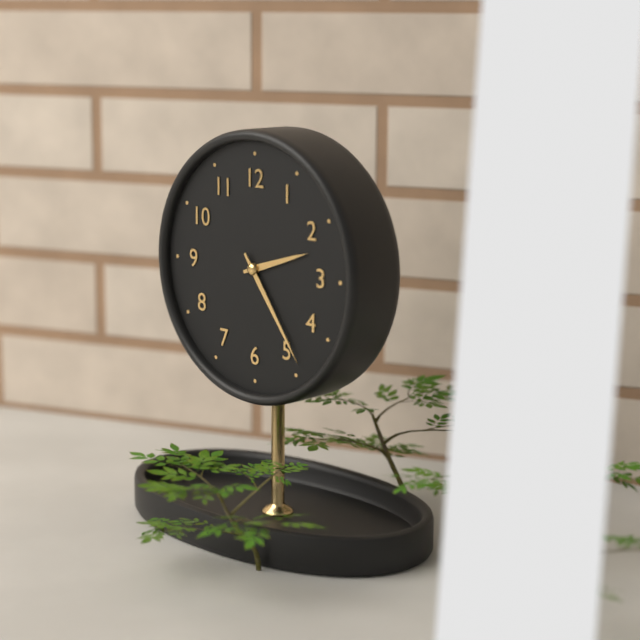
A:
h=2 m=24
